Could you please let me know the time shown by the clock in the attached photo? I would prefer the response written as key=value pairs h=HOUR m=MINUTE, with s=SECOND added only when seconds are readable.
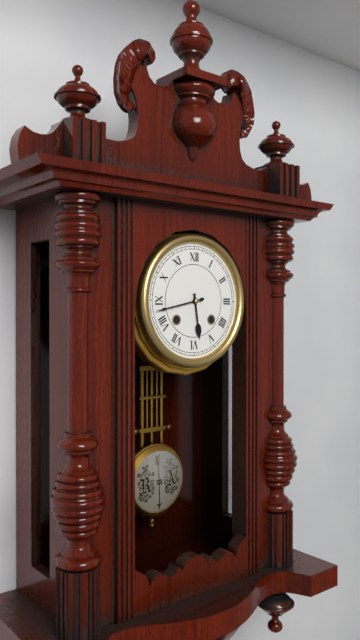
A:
h=5 m=43
